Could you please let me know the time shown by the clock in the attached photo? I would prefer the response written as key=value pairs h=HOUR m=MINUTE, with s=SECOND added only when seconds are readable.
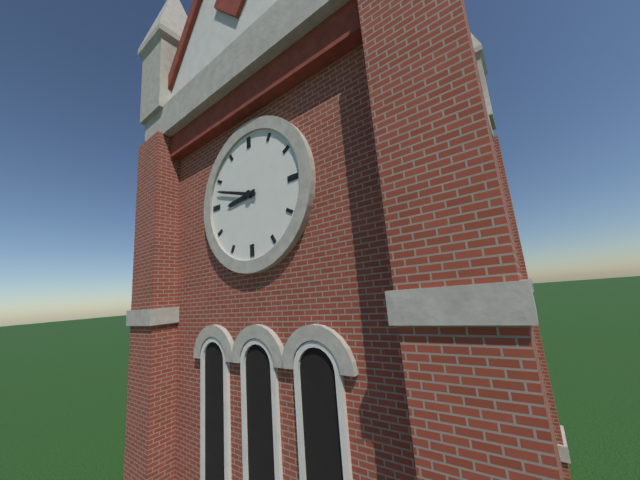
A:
h=8 m=48
